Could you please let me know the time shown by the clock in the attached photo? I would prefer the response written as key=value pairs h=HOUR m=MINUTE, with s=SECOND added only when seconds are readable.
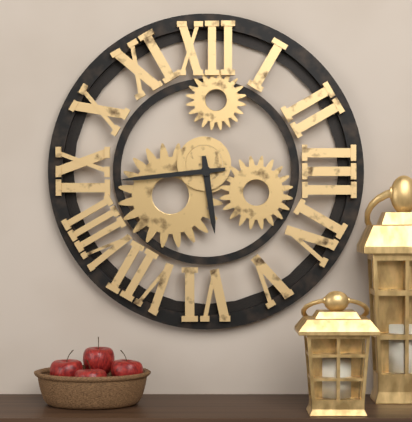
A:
h=5 m=44
